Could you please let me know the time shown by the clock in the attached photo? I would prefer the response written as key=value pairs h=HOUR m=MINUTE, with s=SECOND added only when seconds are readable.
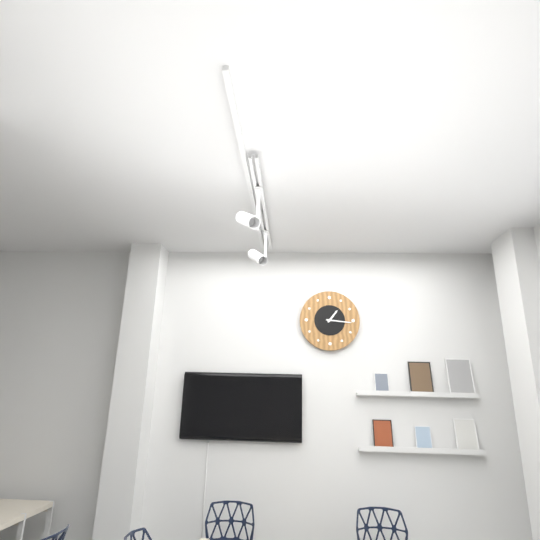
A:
h=1 m=16
